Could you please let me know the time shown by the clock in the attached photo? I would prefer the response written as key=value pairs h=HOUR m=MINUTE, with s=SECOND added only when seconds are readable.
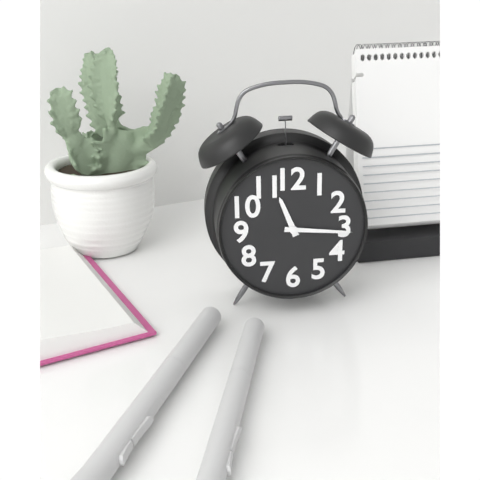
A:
h=11 m=16
